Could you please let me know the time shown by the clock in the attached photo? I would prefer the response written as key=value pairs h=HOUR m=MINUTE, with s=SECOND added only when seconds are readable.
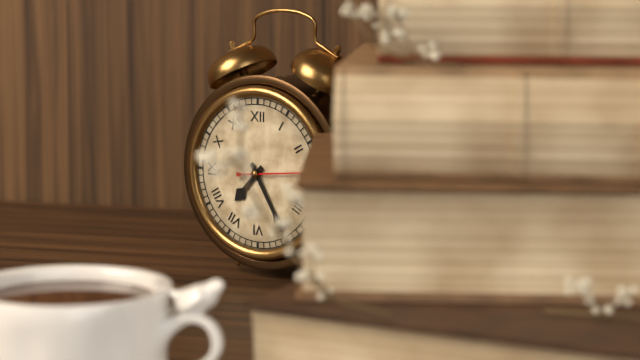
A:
h=7 m=25 s=14
